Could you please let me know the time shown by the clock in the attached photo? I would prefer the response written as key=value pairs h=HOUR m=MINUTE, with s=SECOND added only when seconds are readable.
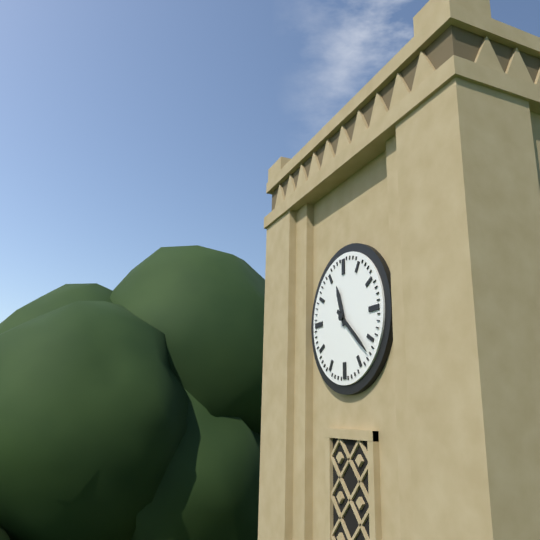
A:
h=11 m=22
